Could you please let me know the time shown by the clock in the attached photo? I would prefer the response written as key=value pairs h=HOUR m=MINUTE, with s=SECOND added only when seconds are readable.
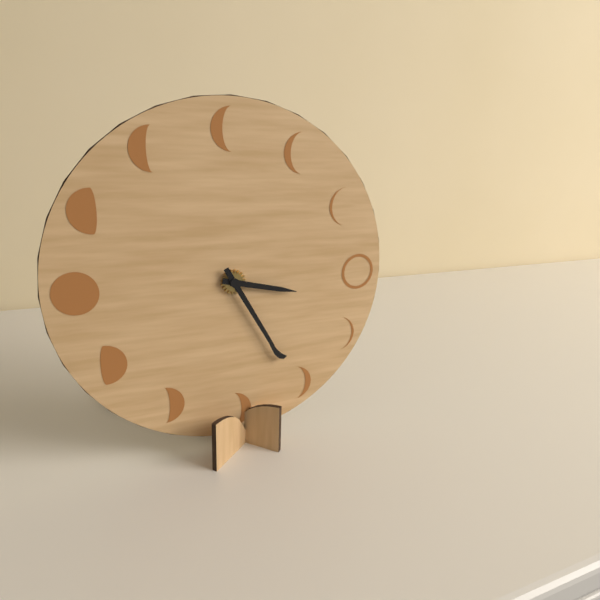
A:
h=3 m=25
